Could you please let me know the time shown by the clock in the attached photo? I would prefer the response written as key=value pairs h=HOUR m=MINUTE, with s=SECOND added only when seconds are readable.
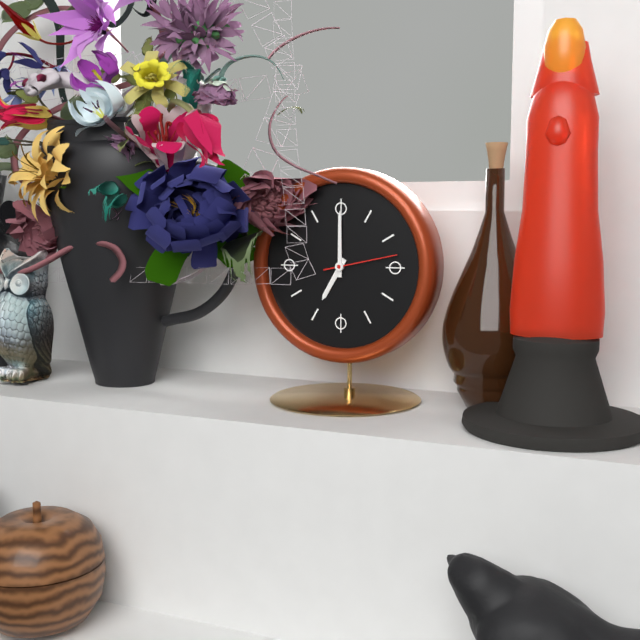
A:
h=7 m=0 s=13
